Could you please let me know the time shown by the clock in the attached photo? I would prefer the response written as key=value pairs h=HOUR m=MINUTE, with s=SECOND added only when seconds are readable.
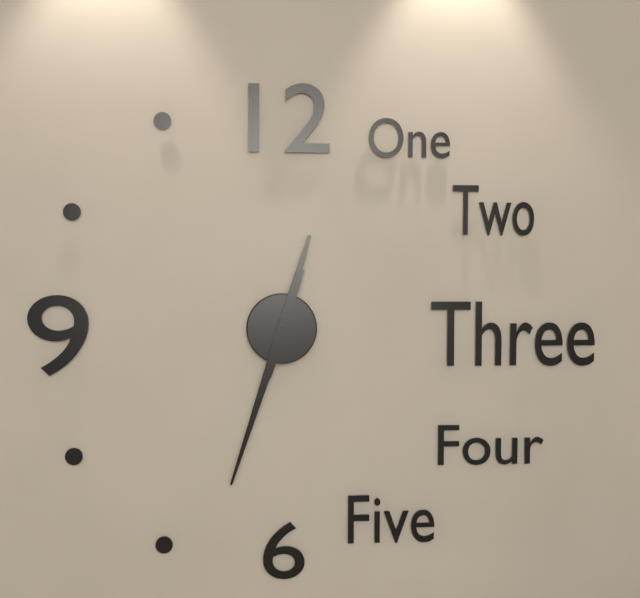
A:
h=12 m=33
